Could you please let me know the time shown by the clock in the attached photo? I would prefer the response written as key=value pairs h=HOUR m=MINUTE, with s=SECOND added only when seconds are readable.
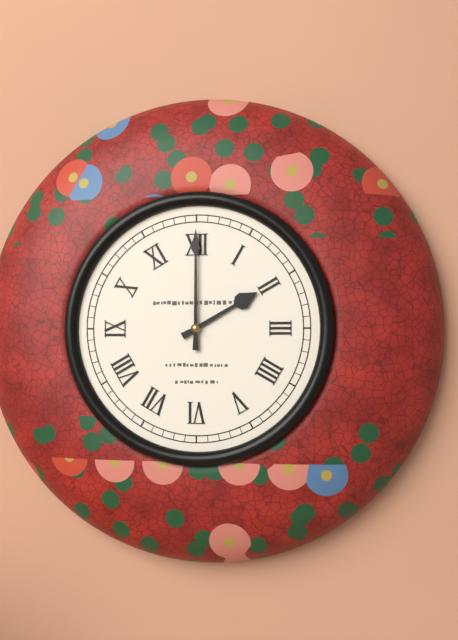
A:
h=2 m=0
